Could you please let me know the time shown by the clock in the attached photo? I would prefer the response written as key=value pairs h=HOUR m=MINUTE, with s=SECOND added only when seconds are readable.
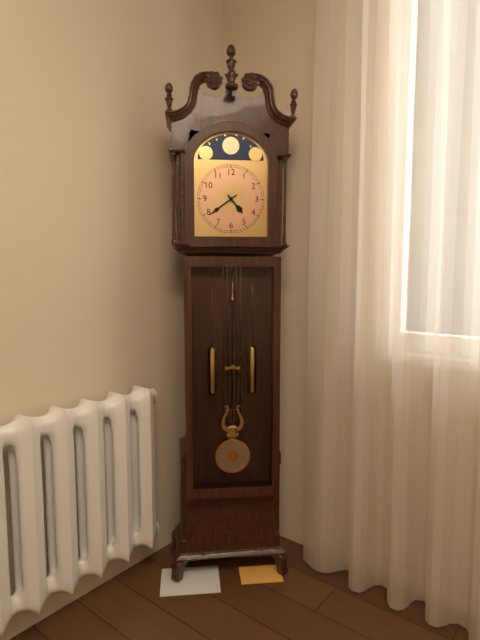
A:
h=4 m=39
